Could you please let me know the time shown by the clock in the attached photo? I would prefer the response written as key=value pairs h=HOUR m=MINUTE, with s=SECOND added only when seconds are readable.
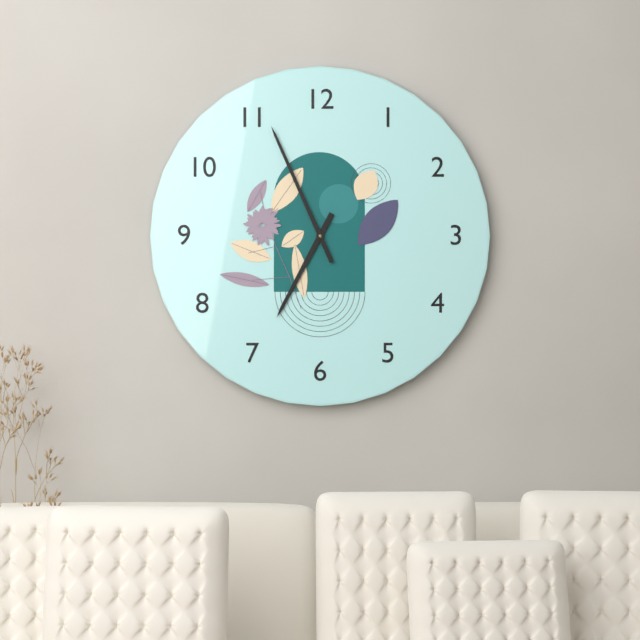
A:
h=6 m=56
